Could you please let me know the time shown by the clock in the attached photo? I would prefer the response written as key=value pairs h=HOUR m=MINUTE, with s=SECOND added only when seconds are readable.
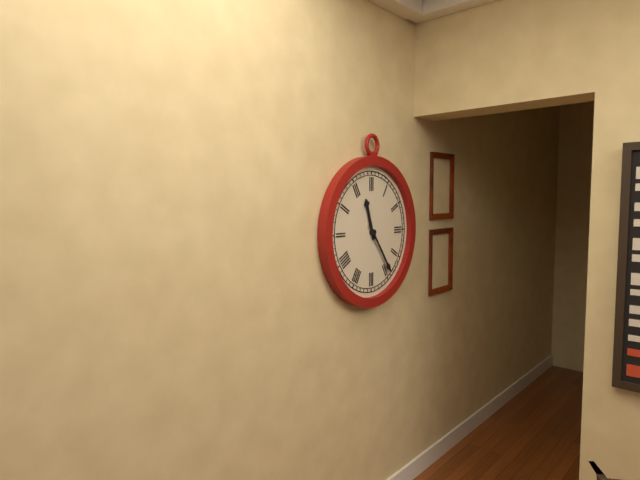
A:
h=11 m=24
